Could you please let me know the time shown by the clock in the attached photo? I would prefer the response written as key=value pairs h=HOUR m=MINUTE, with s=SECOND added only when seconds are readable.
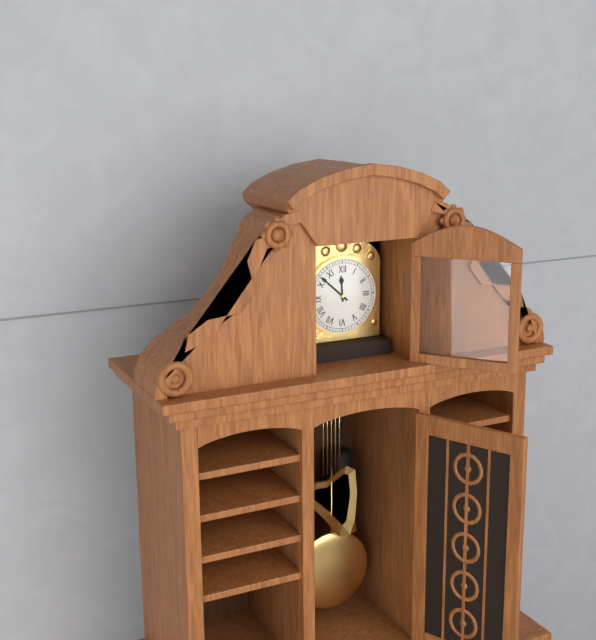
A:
h=11 m=52
